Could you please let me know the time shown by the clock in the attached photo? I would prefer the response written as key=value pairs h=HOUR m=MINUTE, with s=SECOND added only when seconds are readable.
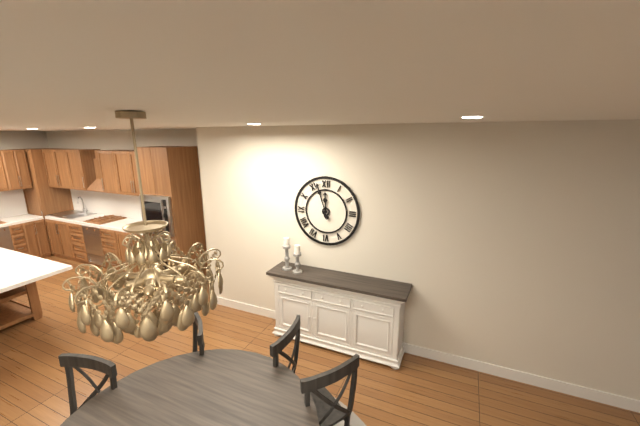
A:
h=11 m=57
